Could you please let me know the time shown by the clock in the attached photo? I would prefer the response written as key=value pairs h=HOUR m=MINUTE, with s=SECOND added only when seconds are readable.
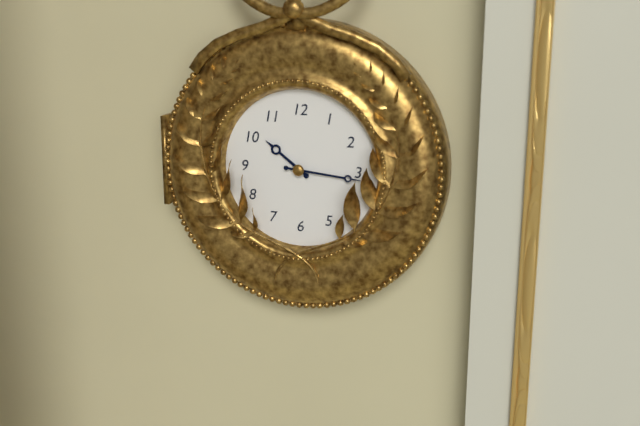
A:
h=10 m=16
